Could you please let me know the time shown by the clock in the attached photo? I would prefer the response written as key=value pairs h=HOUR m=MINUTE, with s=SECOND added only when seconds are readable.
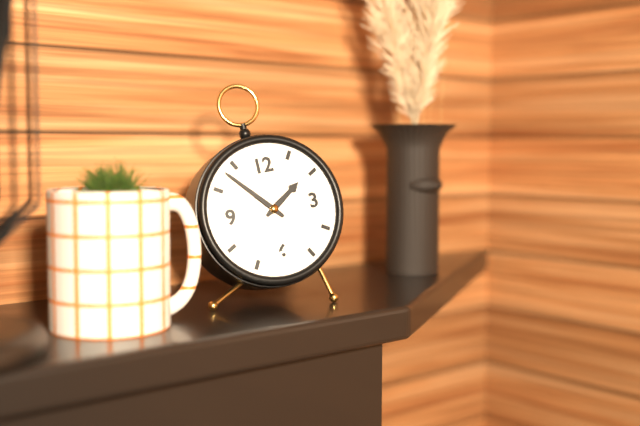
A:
h=1 m=53
